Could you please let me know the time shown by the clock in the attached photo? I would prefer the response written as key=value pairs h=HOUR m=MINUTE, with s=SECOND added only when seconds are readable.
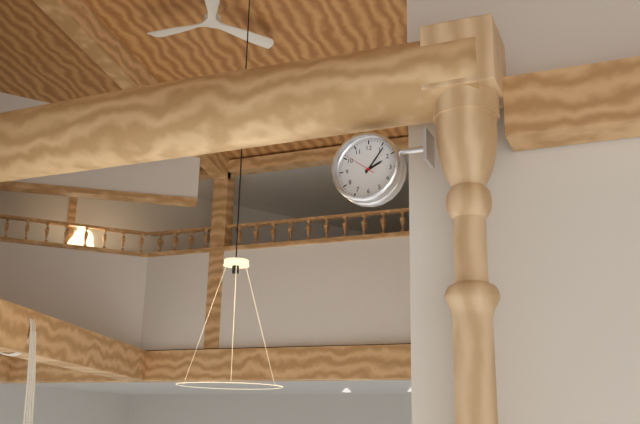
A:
h=2 m=6
